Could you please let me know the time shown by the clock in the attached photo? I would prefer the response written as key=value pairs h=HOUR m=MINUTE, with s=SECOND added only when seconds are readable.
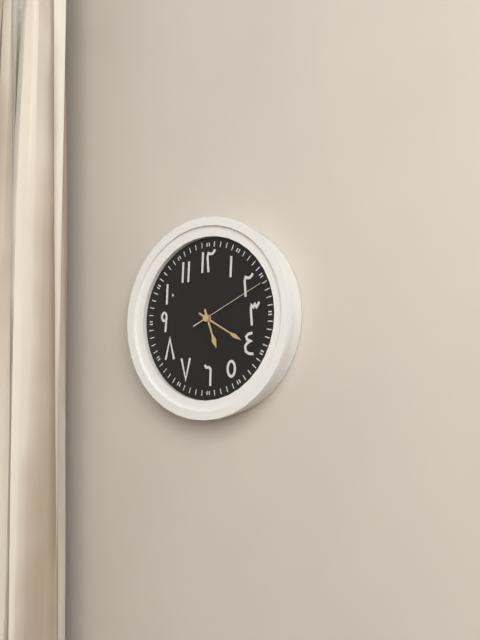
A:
h=5 m=20 s=11
